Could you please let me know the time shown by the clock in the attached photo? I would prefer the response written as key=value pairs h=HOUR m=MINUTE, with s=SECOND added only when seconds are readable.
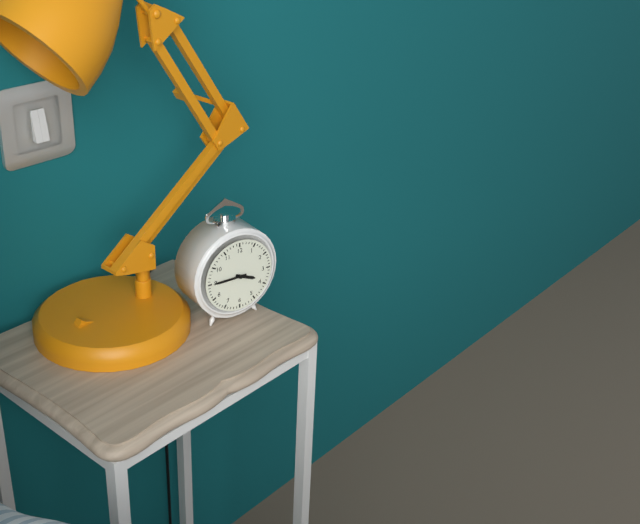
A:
h=3 m=45
